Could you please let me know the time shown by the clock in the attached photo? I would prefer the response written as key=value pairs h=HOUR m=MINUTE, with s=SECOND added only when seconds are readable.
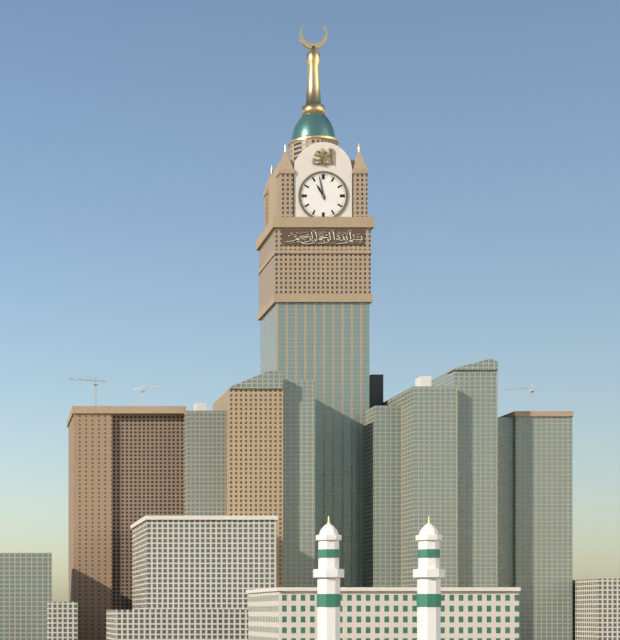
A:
h=10 m=58
